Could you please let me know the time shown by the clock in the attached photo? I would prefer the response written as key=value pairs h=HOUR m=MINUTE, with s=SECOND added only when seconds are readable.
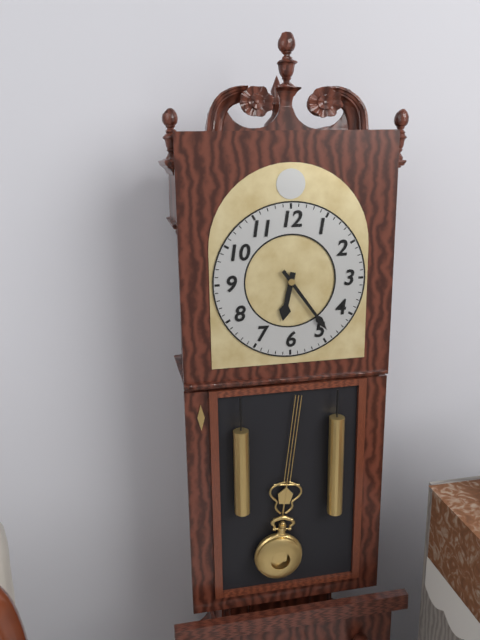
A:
h=6 m=24
